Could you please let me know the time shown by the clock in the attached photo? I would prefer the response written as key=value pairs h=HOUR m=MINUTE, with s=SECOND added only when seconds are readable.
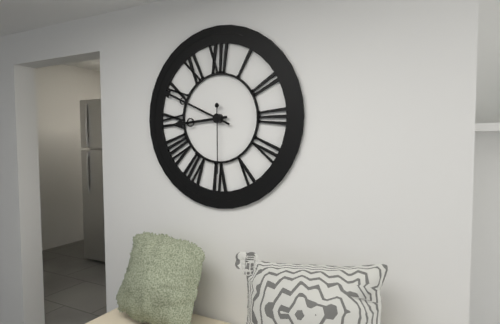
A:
h=8 m=49 s=30
